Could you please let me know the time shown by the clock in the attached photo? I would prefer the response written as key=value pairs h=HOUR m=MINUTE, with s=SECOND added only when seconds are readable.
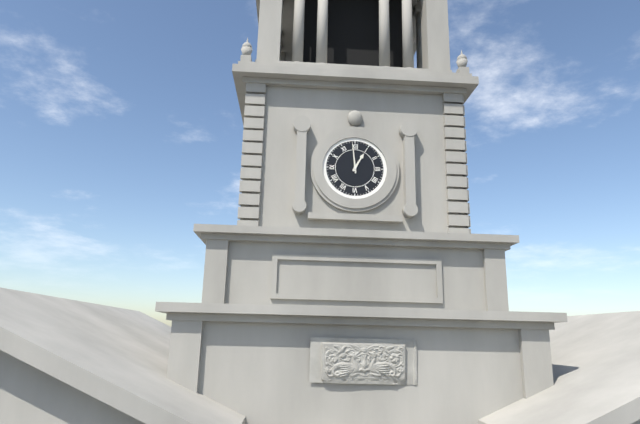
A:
h=12 m=59
